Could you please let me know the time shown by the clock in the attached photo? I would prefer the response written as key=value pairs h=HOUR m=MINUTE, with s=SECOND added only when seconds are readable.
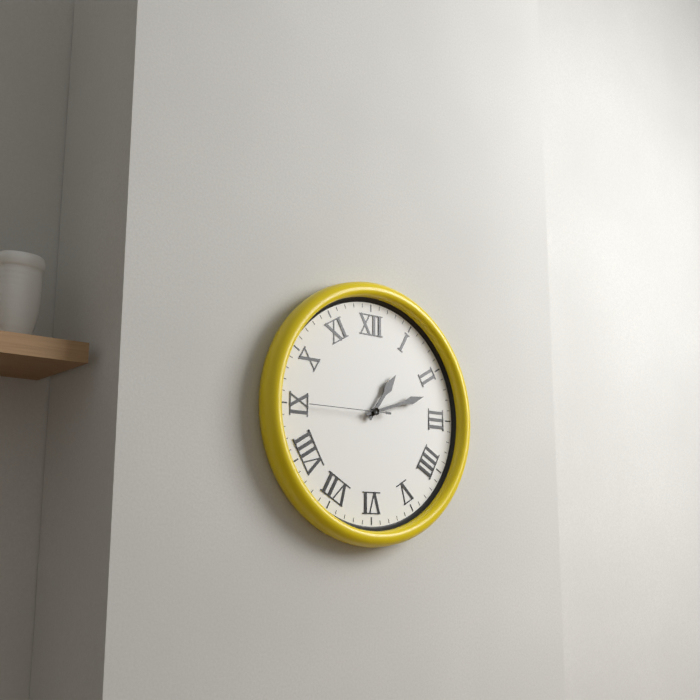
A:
h=1 m=12 s=45
